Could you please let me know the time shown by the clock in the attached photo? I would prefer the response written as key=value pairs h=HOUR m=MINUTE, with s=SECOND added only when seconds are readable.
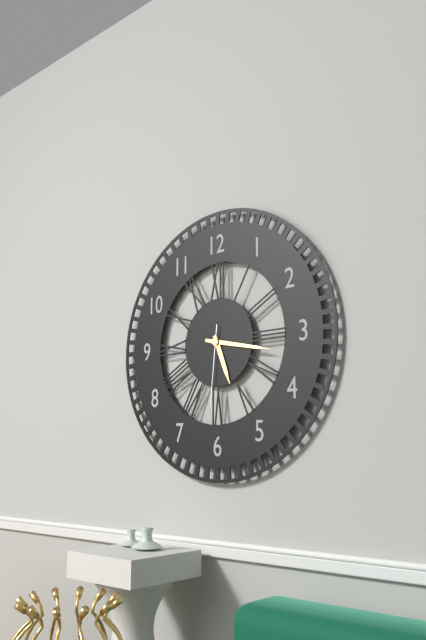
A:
h=5 m=17 s=31
